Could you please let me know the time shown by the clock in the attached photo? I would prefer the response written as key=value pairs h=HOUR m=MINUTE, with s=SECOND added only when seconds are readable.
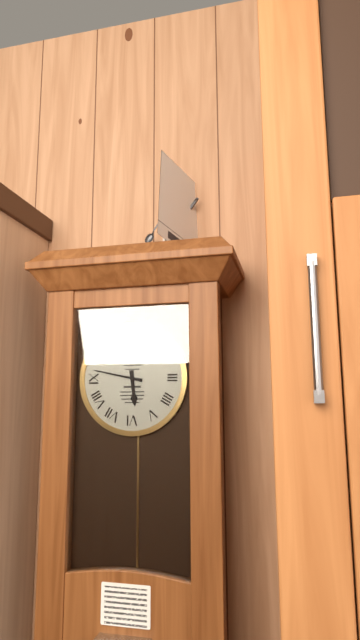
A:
h=5 m=47
